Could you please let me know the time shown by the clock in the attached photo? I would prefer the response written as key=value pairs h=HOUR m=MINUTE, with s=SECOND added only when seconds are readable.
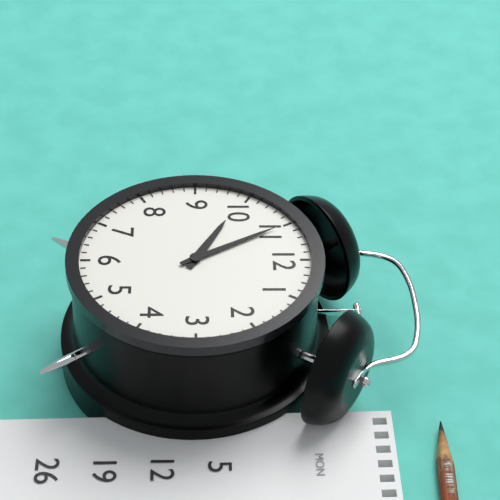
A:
h=9 m=55
